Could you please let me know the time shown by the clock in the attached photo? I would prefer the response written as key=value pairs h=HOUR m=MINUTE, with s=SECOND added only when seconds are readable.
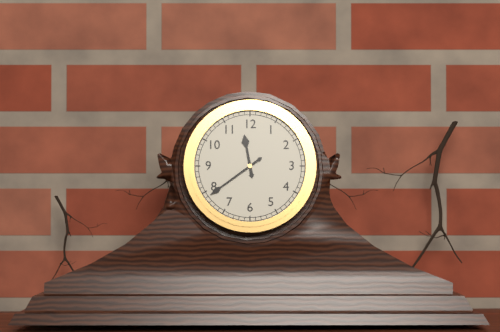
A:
h=11 m=39
